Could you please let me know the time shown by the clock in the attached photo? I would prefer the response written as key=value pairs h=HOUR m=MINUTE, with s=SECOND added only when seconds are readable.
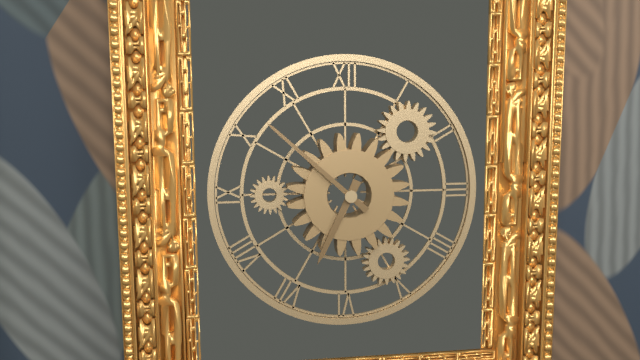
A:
h=6 m=52
